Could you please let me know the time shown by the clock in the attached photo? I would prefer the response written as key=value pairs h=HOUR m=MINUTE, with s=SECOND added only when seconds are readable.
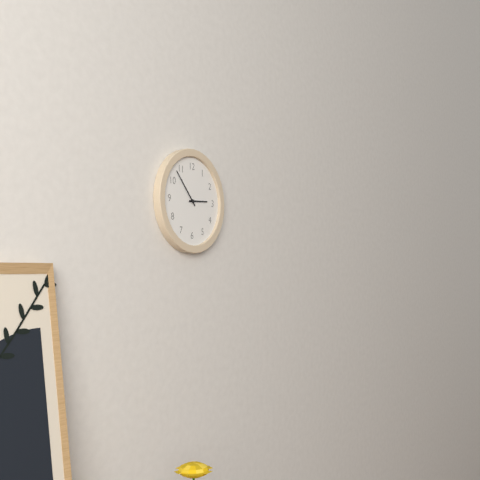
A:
h=2 m=53
